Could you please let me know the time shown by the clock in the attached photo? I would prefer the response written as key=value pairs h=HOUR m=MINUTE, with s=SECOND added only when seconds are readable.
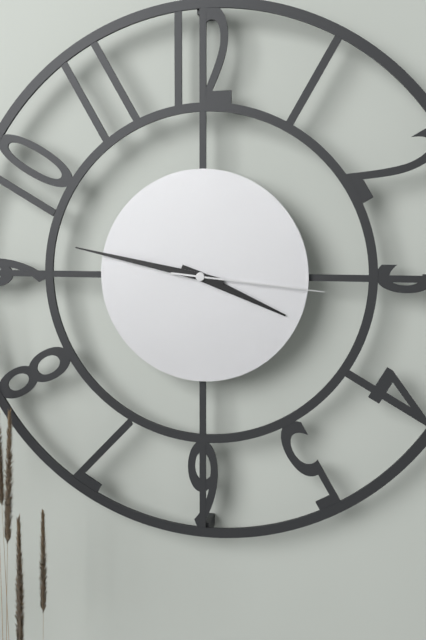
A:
h=3 m=47 s=16
